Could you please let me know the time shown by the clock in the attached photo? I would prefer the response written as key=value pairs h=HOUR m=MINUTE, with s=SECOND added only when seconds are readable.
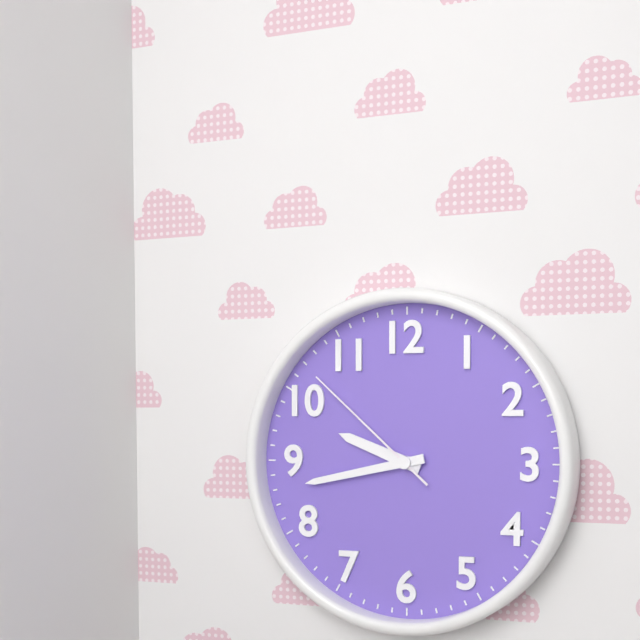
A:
h=9 m=43 s=52
